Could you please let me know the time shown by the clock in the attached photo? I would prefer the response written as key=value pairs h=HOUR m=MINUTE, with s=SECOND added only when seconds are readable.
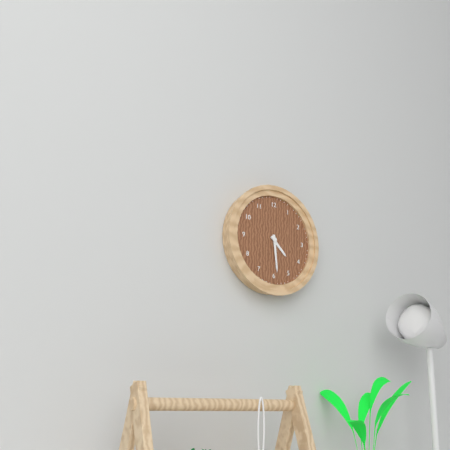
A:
h=4 m=29
